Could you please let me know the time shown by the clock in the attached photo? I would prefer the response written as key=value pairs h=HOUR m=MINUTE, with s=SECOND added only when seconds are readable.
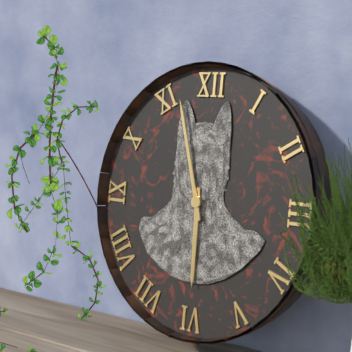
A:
h=5 m=57
